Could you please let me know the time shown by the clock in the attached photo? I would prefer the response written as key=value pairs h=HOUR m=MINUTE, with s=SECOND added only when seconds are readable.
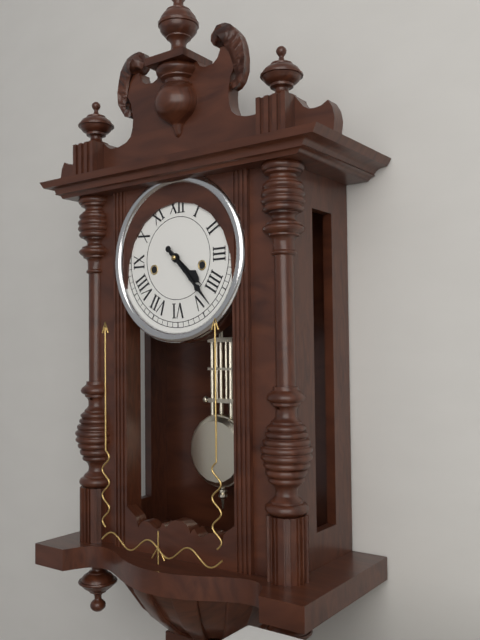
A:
h=4 m=23
